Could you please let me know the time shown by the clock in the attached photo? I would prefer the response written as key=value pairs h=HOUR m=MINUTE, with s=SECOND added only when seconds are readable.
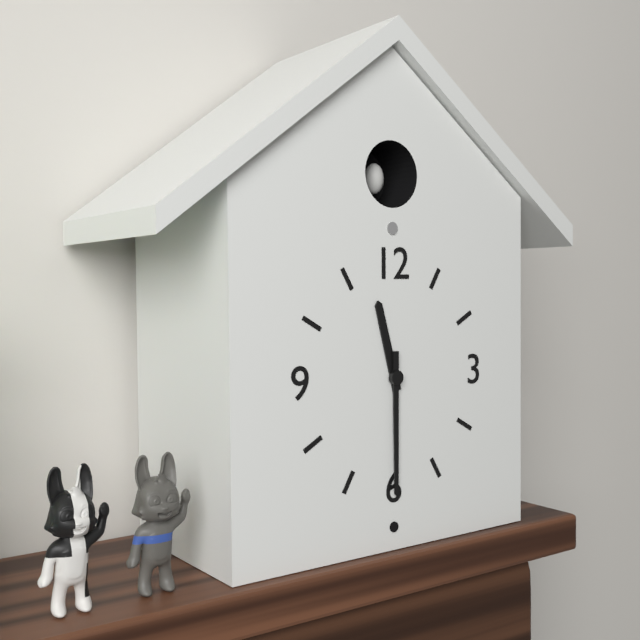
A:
h=11 m=30
